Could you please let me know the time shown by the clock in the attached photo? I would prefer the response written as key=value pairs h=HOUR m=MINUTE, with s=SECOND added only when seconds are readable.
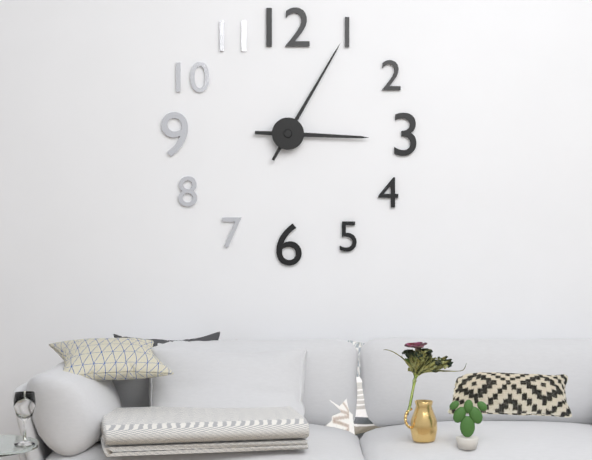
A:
h=3 m=5
